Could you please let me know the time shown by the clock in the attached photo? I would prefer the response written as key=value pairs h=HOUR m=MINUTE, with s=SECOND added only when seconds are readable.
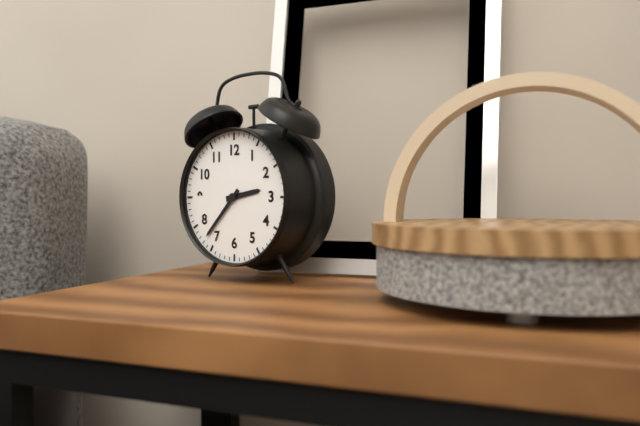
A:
h=2 m=37
